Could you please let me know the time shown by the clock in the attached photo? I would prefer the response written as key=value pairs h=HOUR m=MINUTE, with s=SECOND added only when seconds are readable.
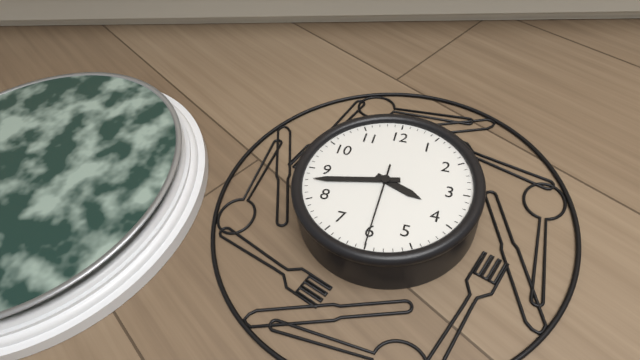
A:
h=3 m=43 s=30
